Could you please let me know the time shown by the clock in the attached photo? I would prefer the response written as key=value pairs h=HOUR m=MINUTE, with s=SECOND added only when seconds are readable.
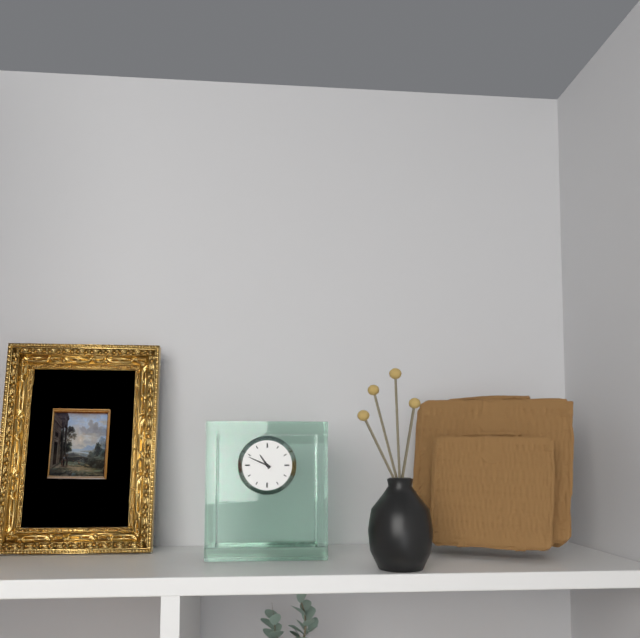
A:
h=10 m=49
